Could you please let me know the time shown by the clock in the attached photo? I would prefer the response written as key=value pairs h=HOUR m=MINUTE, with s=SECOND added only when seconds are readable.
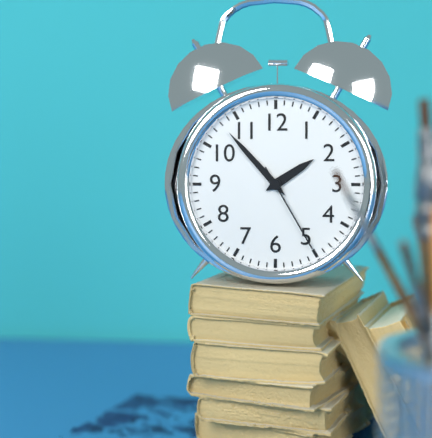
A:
h=1 m=53 s=25
